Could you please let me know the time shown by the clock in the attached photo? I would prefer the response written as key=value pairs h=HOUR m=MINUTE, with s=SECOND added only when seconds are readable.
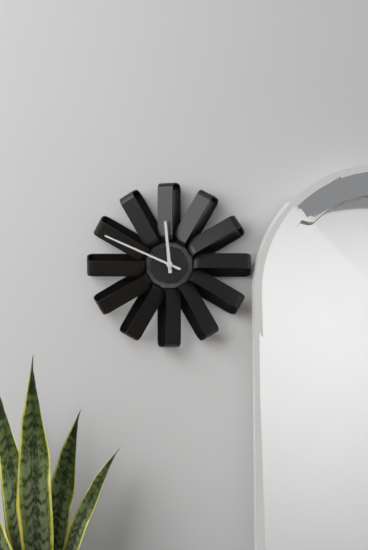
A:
h=11 m=49
